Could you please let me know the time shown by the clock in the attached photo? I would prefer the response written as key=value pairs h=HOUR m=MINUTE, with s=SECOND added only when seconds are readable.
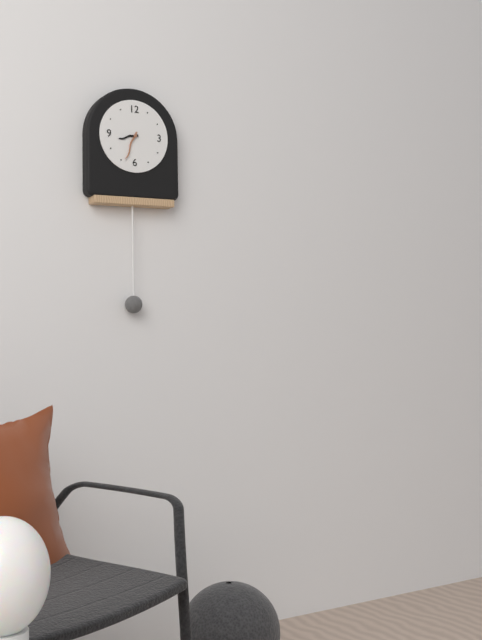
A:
h=8 m=34
